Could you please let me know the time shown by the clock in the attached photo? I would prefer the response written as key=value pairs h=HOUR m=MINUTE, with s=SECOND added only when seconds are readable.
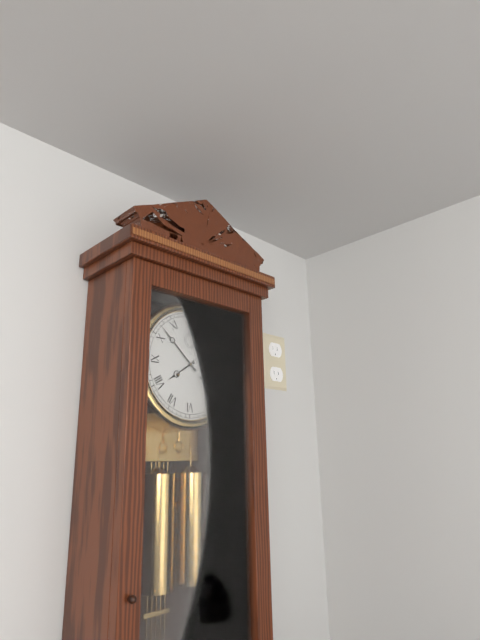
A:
h=7 m=52
